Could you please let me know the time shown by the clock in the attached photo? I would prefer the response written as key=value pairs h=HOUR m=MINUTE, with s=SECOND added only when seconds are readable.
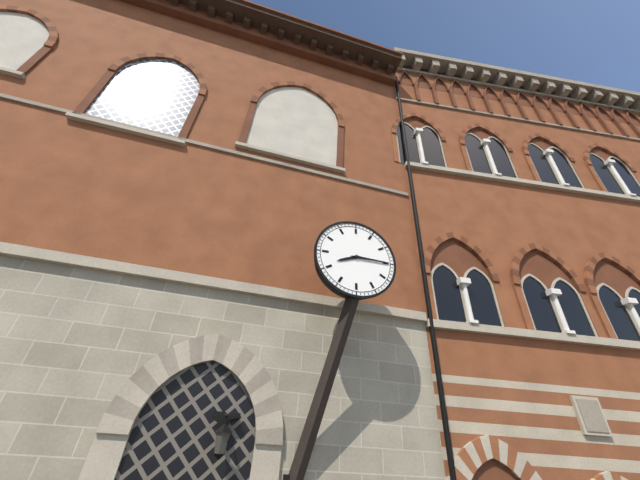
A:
h=8 m=15
